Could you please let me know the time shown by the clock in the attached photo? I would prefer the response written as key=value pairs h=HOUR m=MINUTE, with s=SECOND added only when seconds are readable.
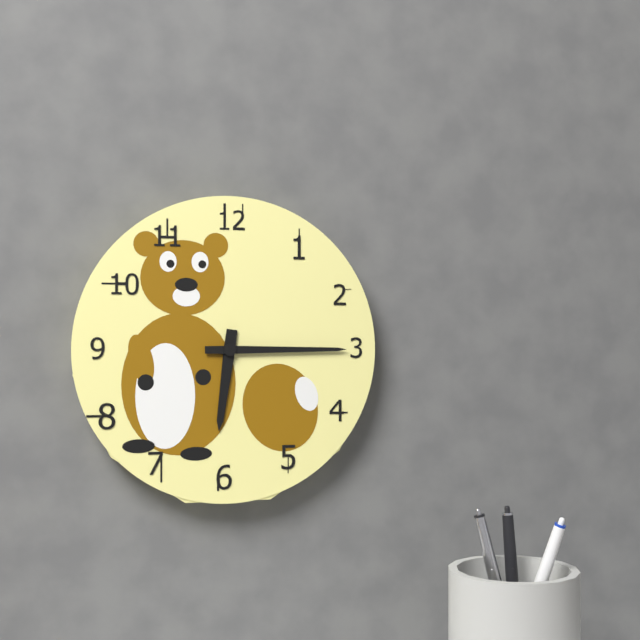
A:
h=6 m=15
